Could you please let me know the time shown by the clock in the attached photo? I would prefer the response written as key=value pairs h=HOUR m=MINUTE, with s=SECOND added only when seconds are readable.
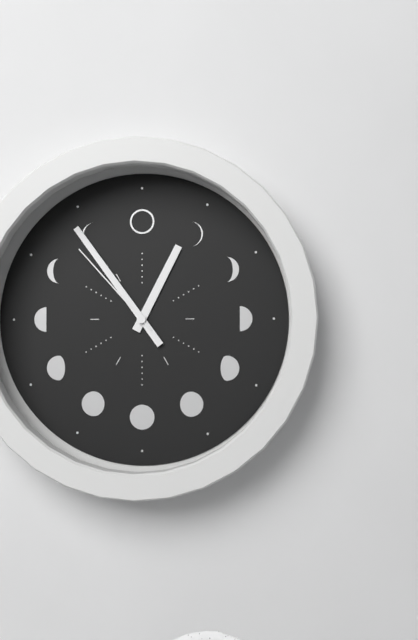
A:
h=12 m=54 s=53
